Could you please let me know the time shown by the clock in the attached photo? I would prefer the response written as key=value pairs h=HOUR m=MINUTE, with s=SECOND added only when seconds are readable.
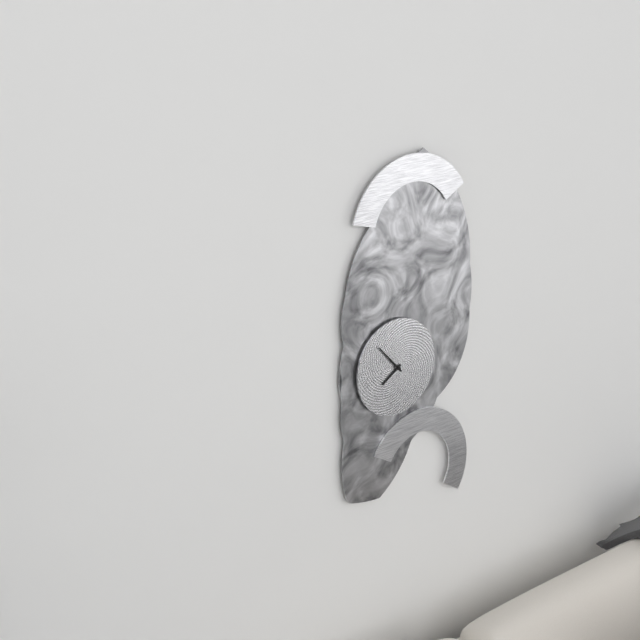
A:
h=7 m=53
